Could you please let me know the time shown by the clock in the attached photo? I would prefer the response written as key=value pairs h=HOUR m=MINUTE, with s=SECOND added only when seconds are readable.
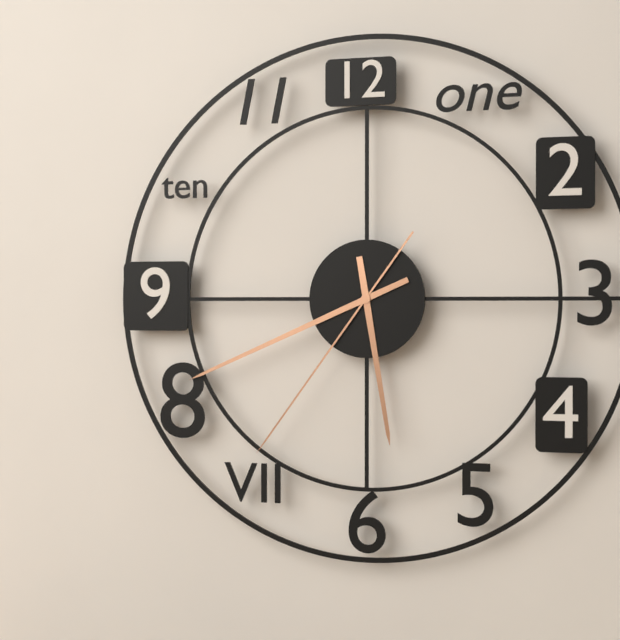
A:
h=5 m=41 s=36
